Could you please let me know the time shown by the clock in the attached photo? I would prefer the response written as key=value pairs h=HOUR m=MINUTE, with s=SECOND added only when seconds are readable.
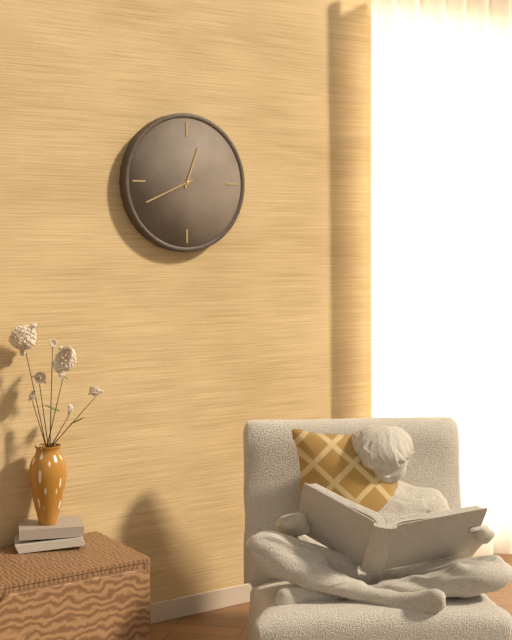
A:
h=12 m=41
